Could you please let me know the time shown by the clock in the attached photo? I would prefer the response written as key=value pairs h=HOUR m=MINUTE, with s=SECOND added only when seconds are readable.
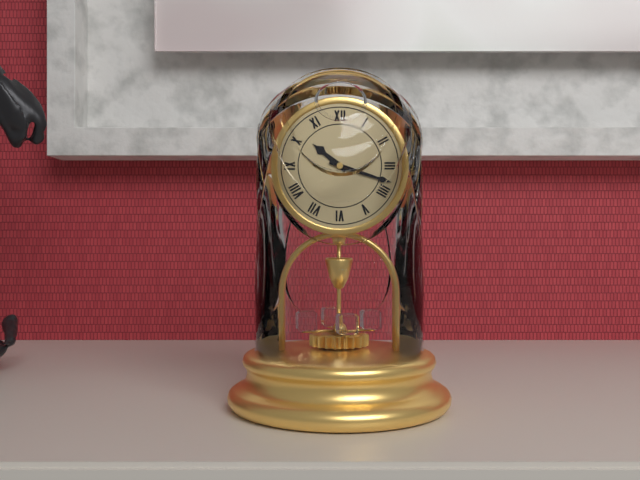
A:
h=10 m=18
